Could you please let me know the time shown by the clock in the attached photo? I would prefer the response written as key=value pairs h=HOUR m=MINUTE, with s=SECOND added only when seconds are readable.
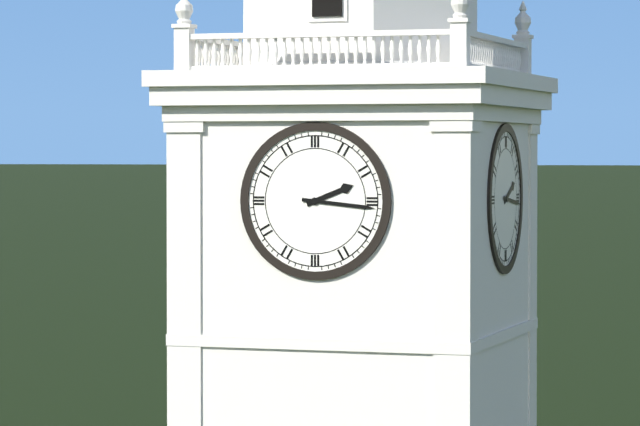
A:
h=2 m=16
